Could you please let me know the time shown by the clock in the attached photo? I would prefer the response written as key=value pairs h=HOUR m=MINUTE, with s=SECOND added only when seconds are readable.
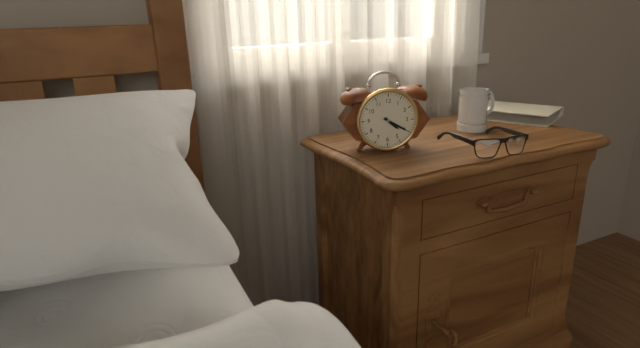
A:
h=4 m=20
